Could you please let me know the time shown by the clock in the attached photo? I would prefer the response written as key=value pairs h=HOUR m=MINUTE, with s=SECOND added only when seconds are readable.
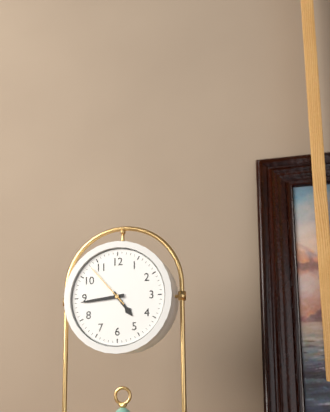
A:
h=4 m=44
